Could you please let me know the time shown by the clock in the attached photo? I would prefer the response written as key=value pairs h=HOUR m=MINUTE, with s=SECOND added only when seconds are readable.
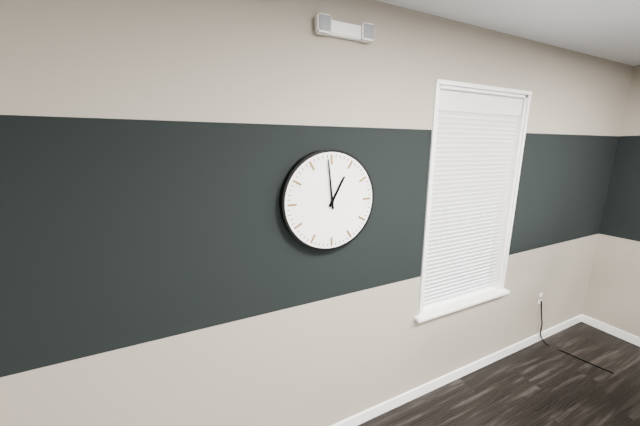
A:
h=12 m=59
